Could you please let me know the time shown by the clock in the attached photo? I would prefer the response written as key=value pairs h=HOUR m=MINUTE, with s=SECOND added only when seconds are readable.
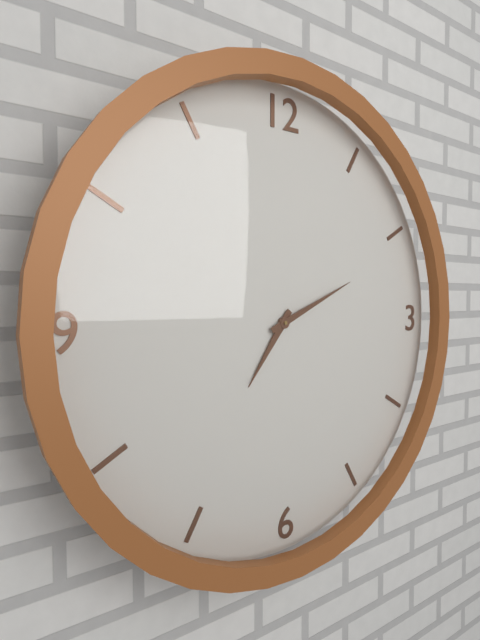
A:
h=7 m=11
